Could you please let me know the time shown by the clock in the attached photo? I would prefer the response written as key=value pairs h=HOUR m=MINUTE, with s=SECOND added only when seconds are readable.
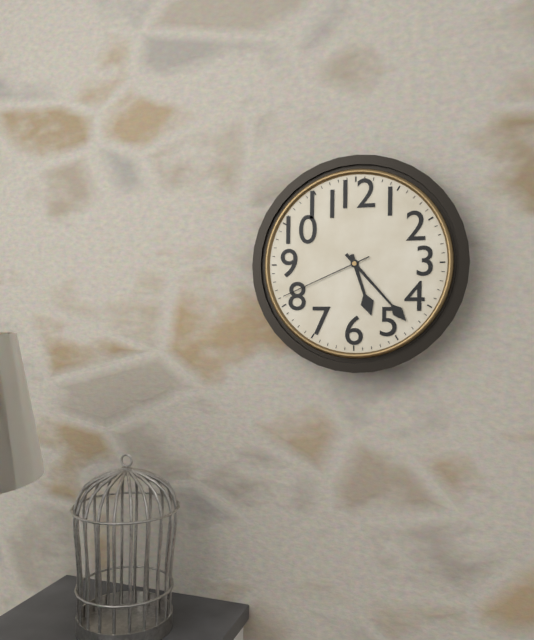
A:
h=5 m=23 s=41
